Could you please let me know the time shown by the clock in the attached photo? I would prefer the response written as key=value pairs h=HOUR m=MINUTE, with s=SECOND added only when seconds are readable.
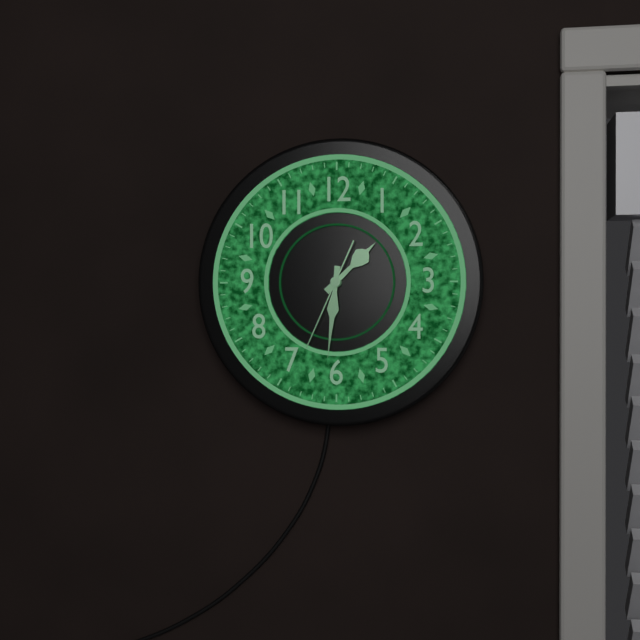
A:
h=1 m=31 s=34
